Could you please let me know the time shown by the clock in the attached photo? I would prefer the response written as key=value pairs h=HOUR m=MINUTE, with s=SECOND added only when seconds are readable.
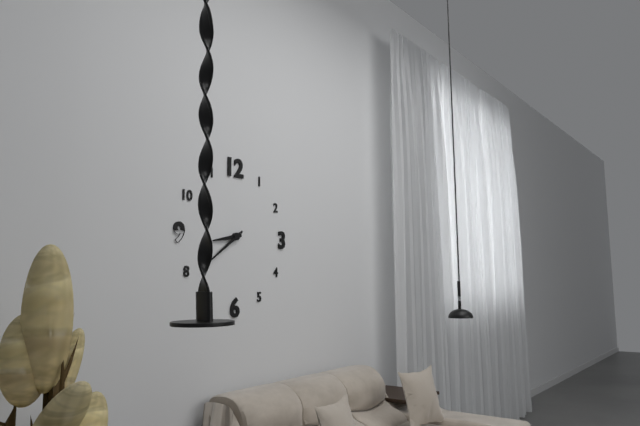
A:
h=8 m=39
